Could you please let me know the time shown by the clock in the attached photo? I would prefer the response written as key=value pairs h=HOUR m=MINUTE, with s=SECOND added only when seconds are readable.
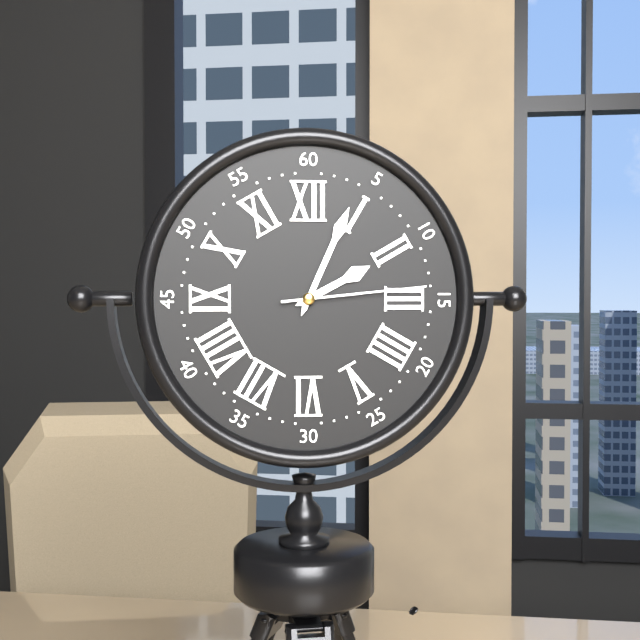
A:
h=2 m=4 s=14
